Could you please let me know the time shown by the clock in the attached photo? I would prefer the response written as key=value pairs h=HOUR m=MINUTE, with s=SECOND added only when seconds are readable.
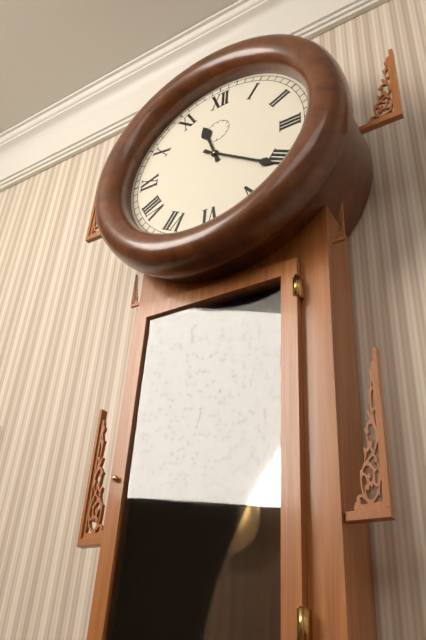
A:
h=11 m=21
